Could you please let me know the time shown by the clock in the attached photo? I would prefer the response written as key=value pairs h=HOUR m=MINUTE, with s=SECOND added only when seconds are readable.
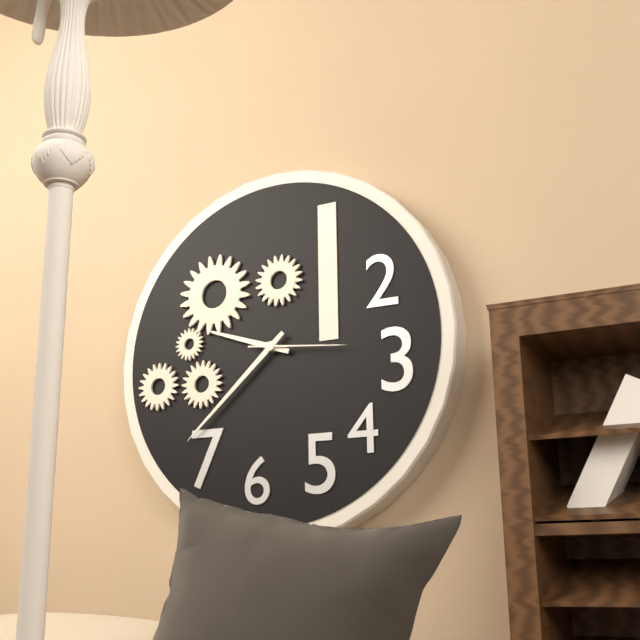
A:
h=9 m=38 s=16
